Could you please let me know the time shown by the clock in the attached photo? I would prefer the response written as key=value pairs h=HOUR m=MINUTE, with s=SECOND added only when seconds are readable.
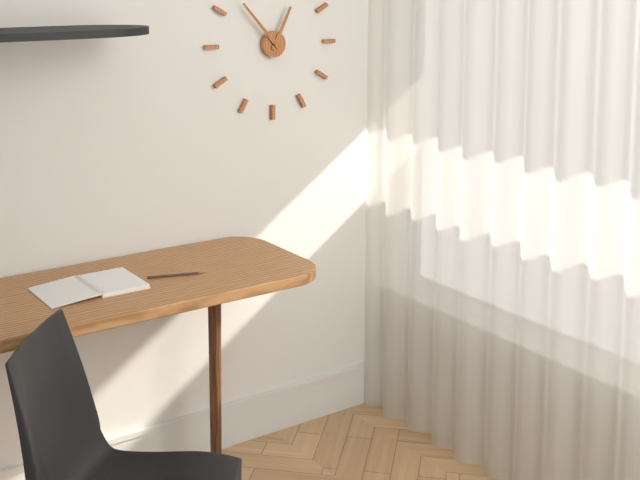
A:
h=12 m=53
